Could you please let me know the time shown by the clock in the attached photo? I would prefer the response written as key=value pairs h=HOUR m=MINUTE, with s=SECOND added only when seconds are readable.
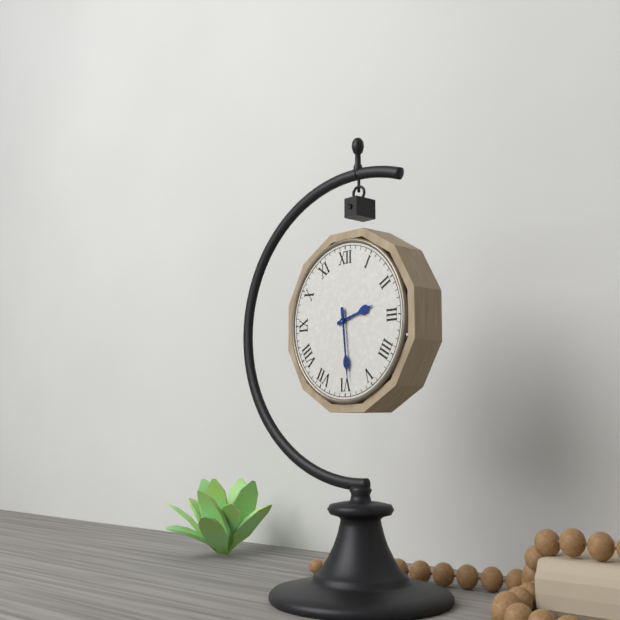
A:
h=2 m=29
